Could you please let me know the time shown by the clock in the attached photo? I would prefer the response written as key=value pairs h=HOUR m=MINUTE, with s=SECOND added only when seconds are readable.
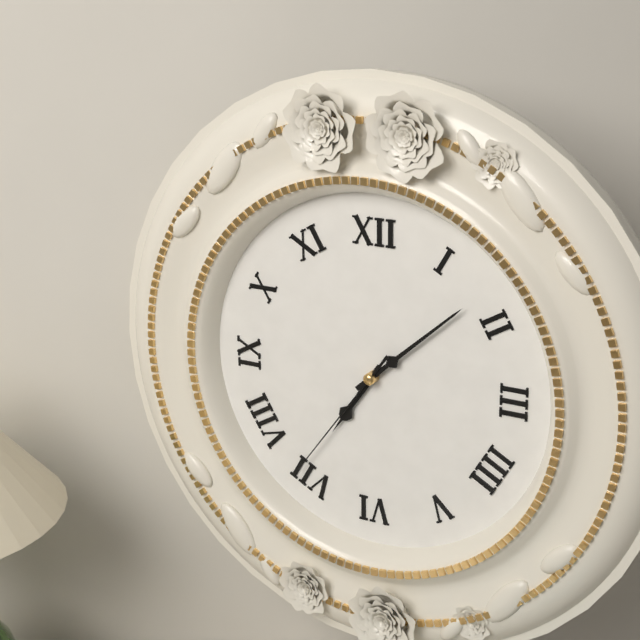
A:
h=7 m=8 s=36
